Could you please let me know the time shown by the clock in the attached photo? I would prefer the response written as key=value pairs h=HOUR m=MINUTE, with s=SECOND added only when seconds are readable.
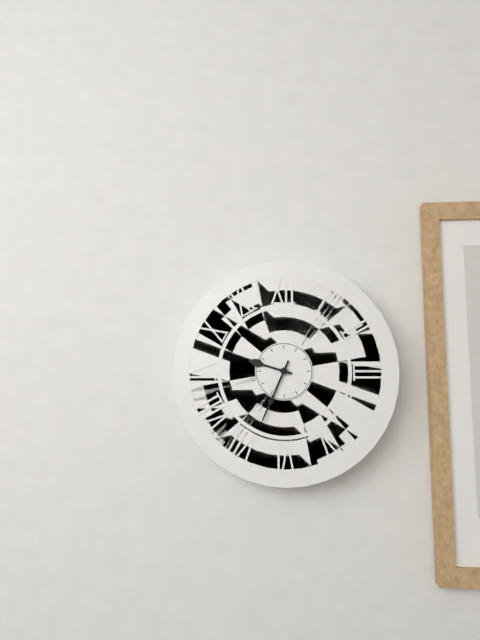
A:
h=9 m=34
